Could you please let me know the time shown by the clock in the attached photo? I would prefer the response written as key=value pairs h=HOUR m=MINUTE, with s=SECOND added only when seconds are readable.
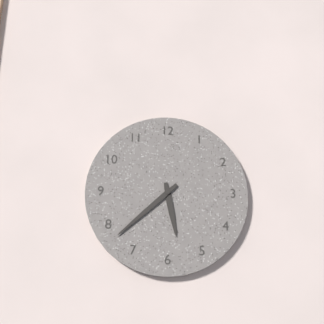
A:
h=5 m=38
